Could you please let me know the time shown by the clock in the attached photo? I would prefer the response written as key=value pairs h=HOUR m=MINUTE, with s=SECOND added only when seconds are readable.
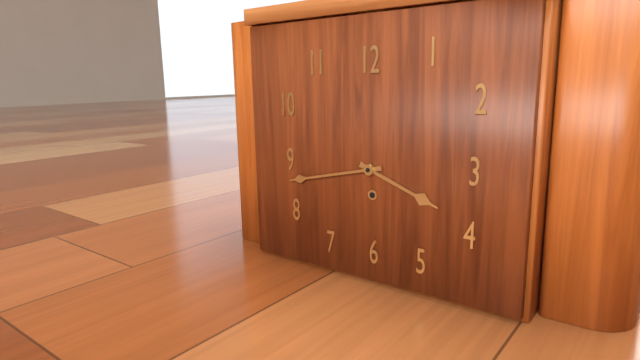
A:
h=3 m=43
